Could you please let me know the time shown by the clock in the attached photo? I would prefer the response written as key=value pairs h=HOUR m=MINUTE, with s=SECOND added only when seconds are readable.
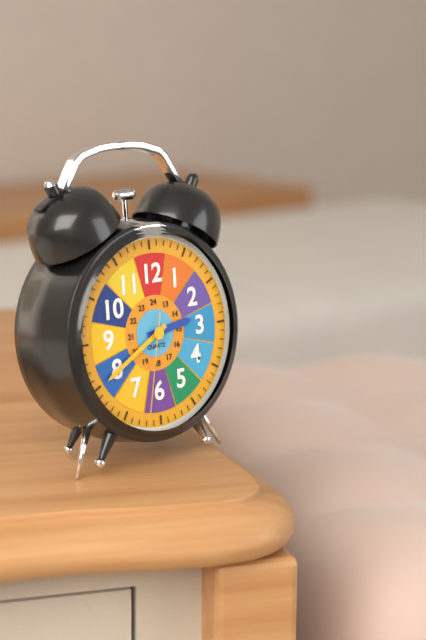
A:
h=2 m=40 s=32
